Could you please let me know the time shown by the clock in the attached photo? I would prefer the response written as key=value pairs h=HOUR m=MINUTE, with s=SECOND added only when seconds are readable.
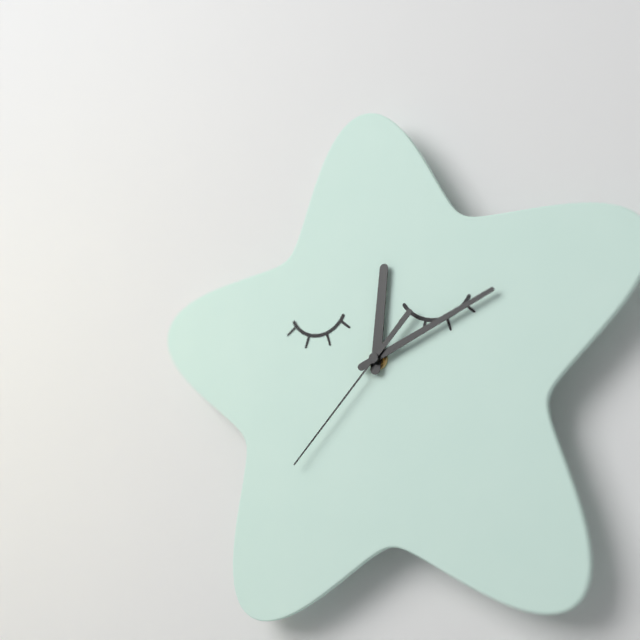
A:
h=12 m=11 s=37
